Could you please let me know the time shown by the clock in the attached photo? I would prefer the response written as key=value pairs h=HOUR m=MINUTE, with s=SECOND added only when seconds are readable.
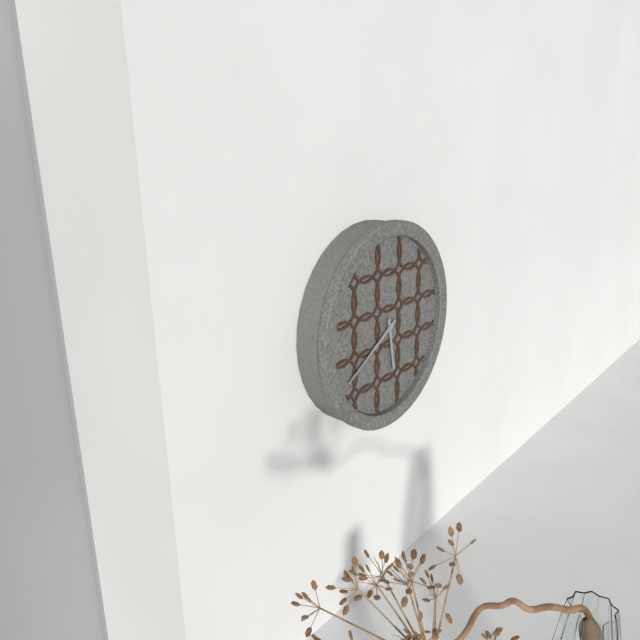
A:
h=5 m=40
